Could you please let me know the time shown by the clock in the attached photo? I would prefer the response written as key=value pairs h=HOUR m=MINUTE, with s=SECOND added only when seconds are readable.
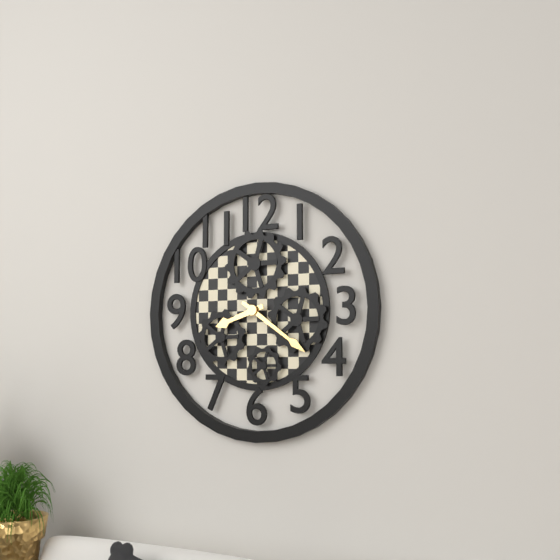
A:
h=8 m=21
